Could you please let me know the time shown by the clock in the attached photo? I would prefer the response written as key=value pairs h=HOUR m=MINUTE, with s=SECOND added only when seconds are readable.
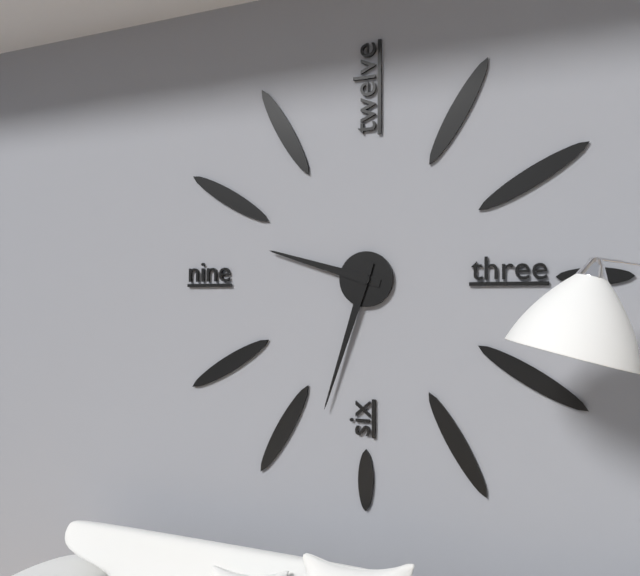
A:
h=9 m=33
